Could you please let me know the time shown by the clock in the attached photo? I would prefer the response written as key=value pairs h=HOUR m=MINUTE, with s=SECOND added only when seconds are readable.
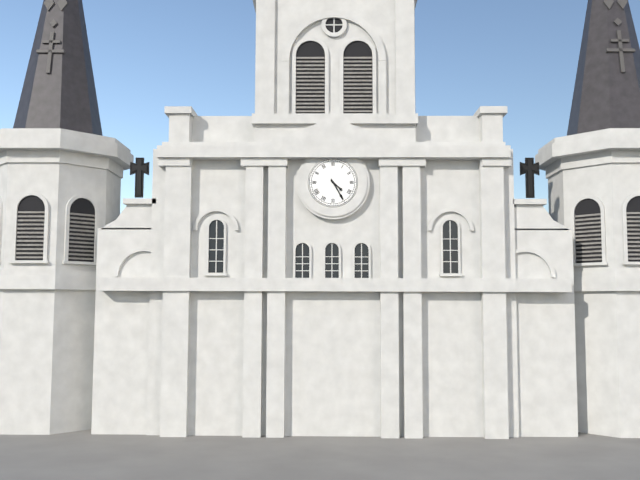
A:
h=4 m=25
